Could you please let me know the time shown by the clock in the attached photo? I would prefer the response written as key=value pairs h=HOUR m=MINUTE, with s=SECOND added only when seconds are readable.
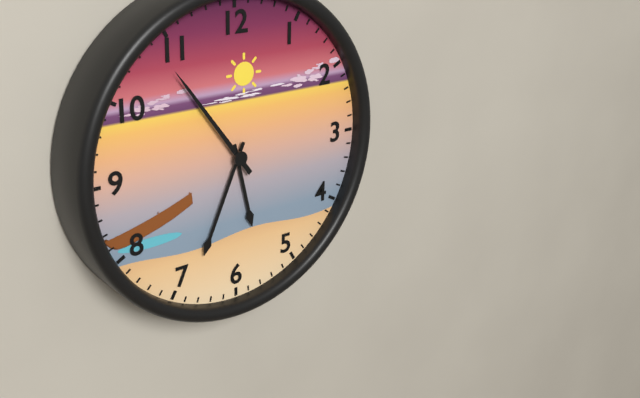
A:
h=5 m=34 s=54
